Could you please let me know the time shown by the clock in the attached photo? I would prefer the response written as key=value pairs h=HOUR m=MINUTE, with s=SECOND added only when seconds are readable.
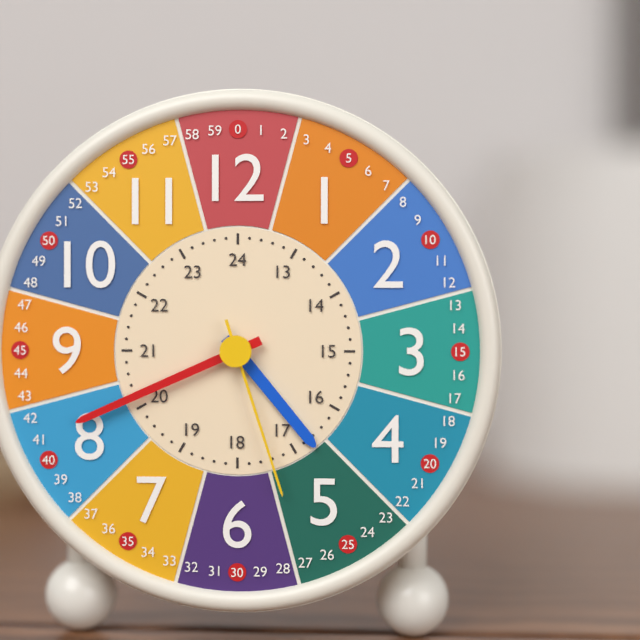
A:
h=4 m=41 s=27
